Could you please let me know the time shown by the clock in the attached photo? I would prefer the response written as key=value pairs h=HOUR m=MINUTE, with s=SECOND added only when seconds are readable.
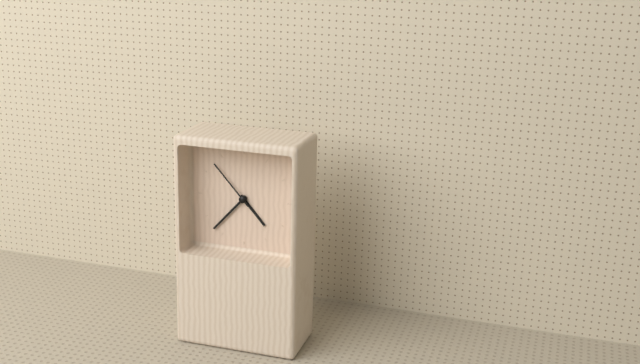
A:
h=4 m=37 s=53
